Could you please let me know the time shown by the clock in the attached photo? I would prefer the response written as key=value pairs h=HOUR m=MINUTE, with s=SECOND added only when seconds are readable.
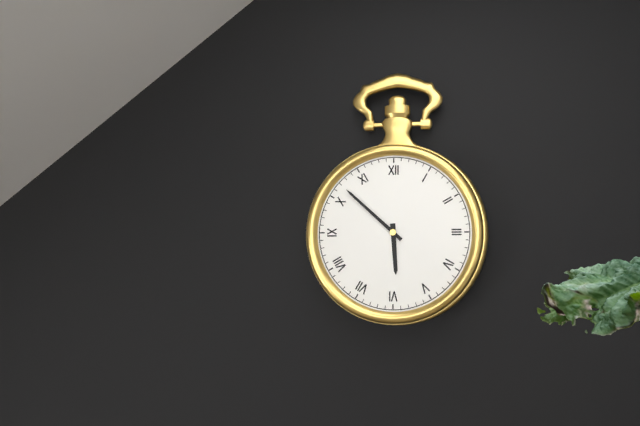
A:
h=5 m=52
